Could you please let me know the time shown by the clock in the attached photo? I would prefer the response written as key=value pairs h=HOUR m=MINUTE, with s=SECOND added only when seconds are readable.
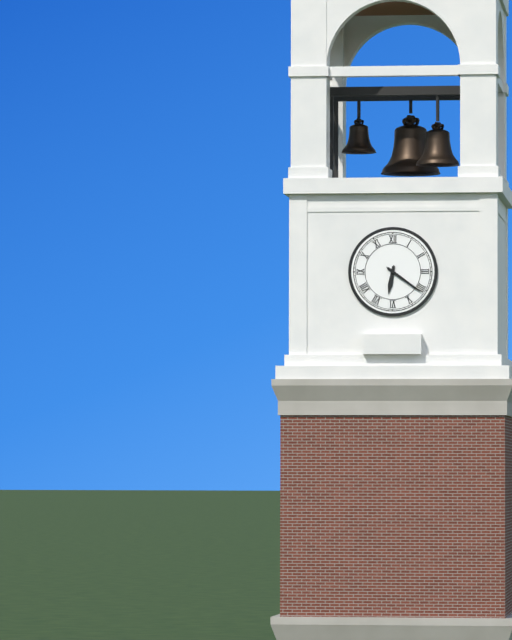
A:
h=6 m=21
